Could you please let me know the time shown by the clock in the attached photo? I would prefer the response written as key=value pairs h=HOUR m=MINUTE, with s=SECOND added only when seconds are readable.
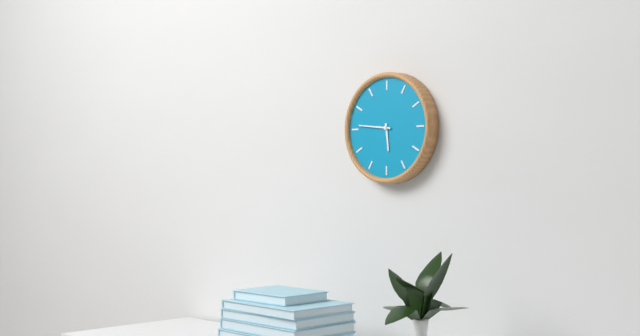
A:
h=5 m=46
